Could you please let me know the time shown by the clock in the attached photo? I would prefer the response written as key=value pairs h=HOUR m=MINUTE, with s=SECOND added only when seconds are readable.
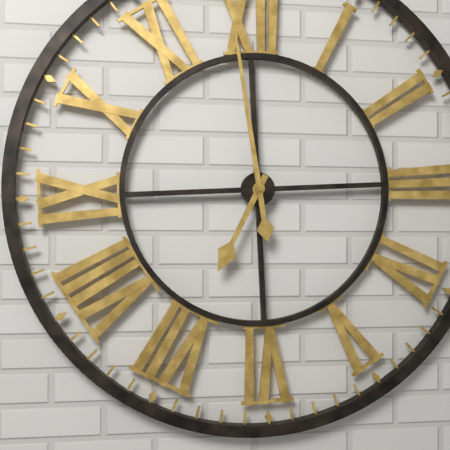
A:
h=6 m=59
